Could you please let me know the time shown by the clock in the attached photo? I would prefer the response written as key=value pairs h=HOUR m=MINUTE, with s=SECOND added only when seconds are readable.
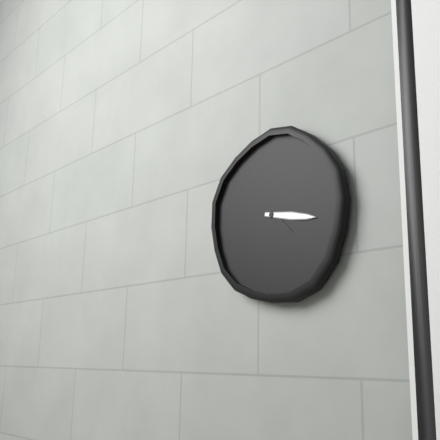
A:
h=4 m=17
